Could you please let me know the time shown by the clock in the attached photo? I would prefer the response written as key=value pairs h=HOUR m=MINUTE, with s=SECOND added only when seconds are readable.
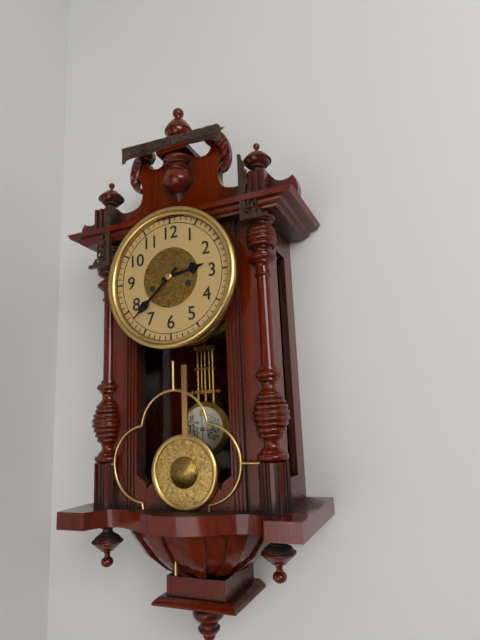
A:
h=2 m=38
